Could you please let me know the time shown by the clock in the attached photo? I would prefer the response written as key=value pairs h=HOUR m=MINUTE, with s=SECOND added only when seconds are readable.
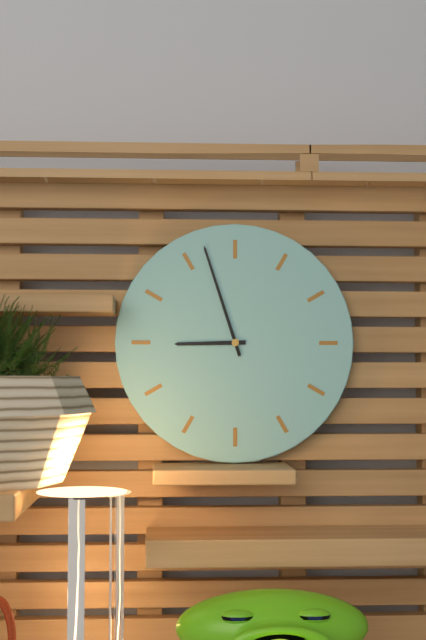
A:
h=8 m=57
